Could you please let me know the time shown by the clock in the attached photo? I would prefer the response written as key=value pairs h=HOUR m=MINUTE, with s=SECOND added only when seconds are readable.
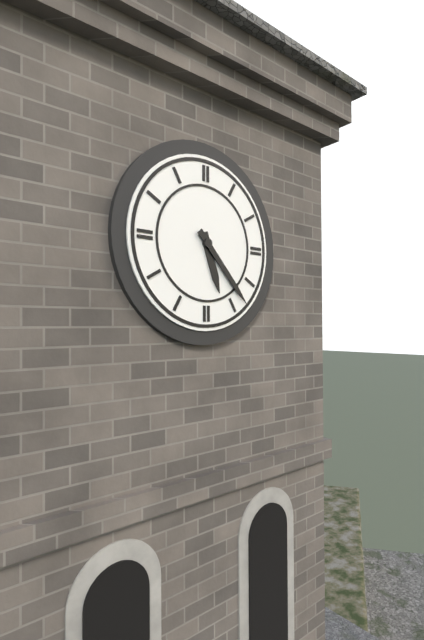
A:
h=5 m=23
